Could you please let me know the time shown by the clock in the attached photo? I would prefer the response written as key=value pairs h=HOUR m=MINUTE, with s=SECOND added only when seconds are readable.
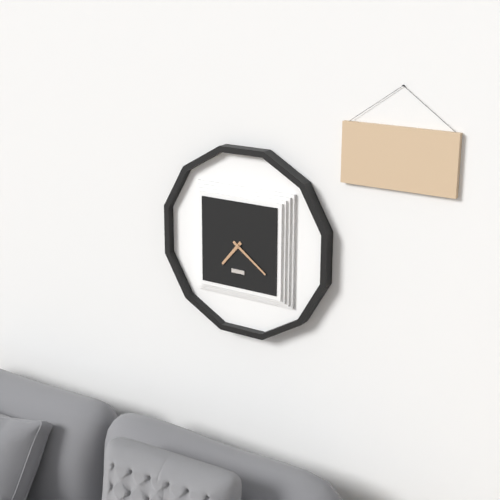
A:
h=7 m=21
